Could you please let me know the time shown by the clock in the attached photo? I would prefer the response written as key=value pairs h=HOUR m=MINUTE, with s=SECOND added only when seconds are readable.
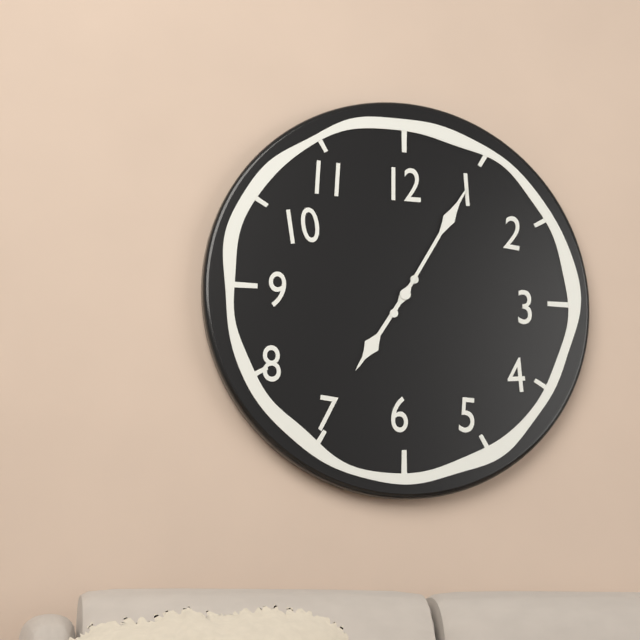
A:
h=7 m=5
